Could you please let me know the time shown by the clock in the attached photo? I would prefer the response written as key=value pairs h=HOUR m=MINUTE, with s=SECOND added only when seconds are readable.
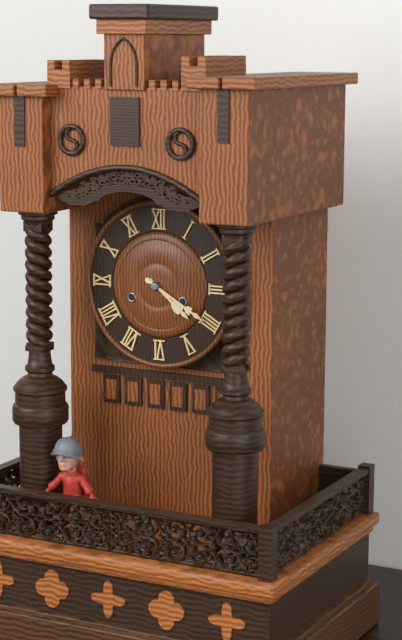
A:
h=4 m=20
